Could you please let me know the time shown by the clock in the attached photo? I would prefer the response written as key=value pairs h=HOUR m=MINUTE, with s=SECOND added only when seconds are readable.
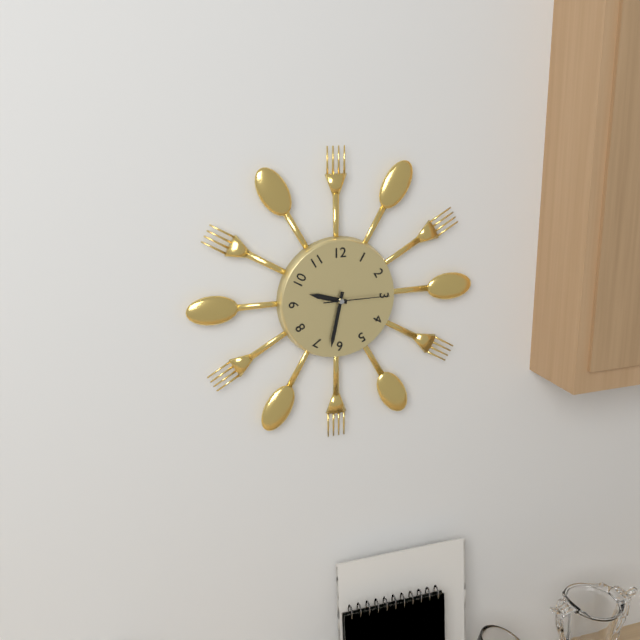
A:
h=9 m=32 s=15
